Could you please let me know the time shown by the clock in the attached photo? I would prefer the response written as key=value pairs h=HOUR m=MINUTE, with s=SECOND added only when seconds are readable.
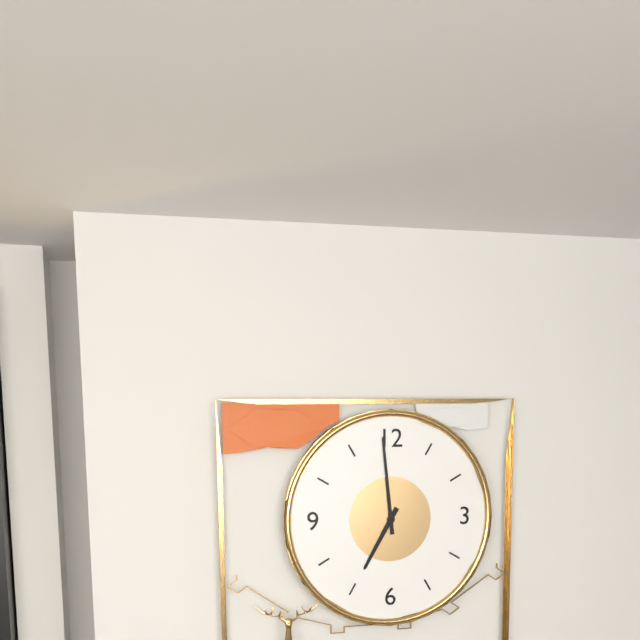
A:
h=6 m=59
